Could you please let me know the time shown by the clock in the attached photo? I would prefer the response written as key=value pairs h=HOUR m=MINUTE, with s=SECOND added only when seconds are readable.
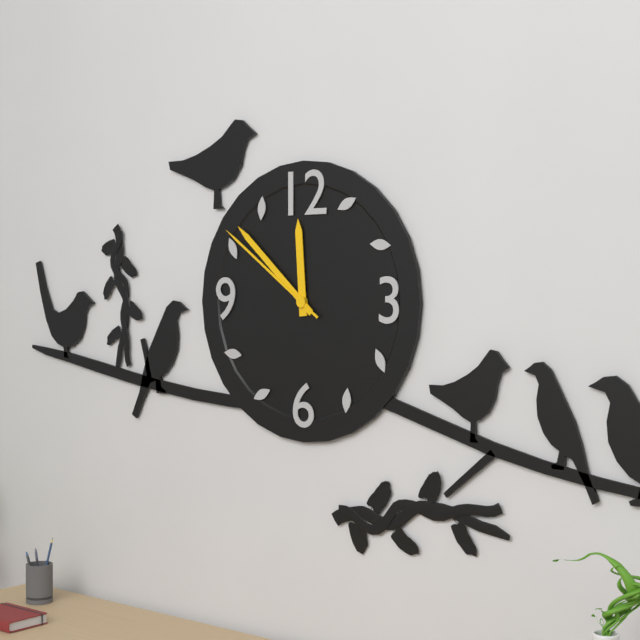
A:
h=11 m=52 s=51
